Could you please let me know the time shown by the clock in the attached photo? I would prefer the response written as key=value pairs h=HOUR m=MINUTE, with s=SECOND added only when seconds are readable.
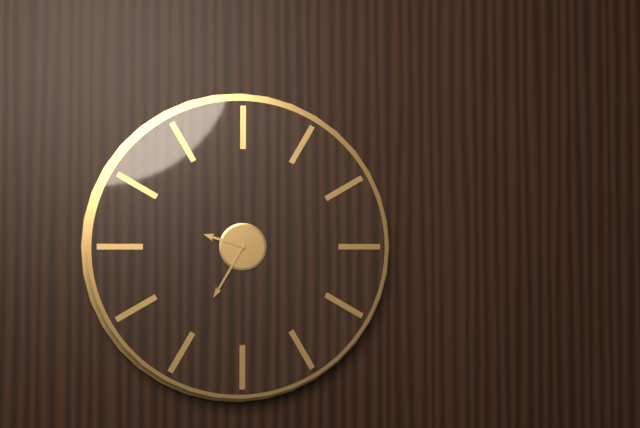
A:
h=9 m=35
